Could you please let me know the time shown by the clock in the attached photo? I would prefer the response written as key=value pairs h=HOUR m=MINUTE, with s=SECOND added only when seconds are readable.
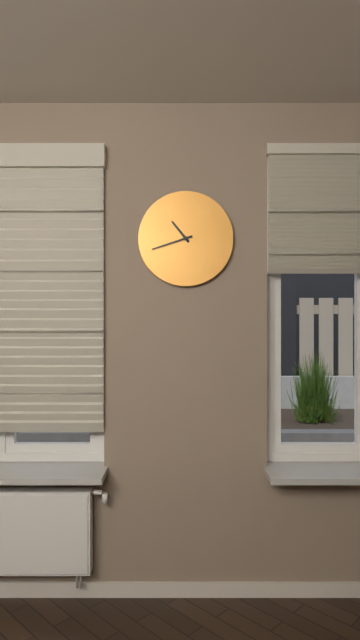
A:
h=10 m=42
